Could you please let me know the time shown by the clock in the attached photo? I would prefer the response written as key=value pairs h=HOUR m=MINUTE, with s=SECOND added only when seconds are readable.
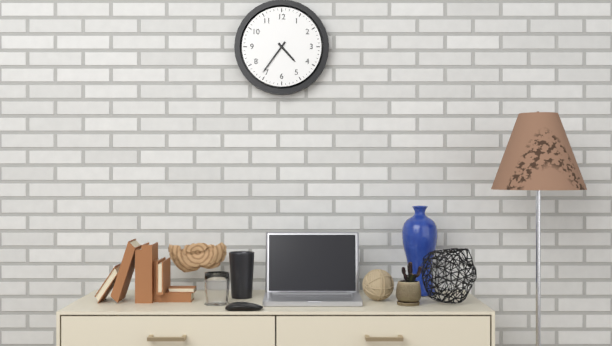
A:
h=4 m=36
